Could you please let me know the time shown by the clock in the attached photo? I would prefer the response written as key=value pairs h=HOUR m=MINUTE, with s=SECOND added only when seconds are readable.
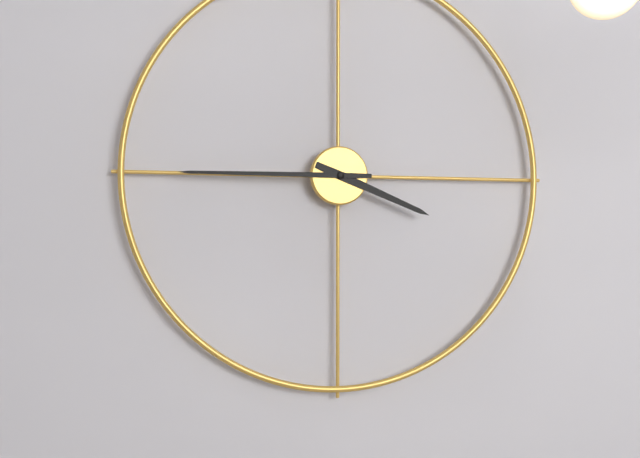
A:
h=3 m=45
